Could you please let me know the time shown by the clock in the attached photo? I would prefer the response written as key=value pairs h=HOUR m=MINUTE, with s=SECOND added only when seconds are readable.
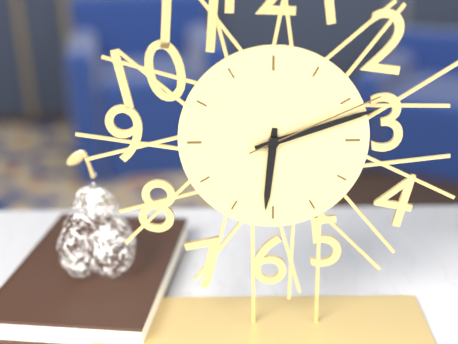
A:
h=6 m=12 s=11
